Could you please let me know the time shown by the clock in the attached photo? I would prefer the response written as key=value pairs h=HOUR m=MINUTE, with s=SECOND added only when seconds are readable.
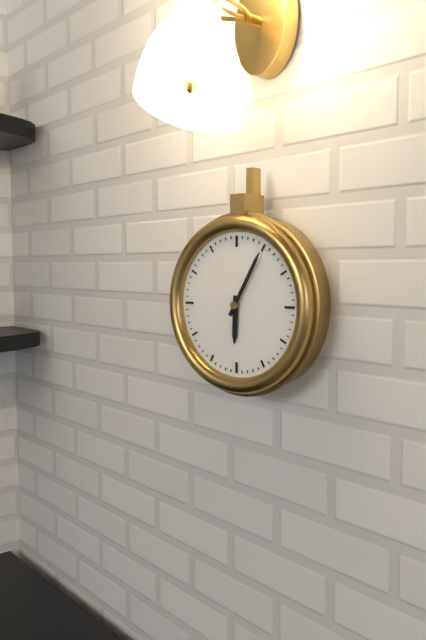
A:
h=6 m=5
